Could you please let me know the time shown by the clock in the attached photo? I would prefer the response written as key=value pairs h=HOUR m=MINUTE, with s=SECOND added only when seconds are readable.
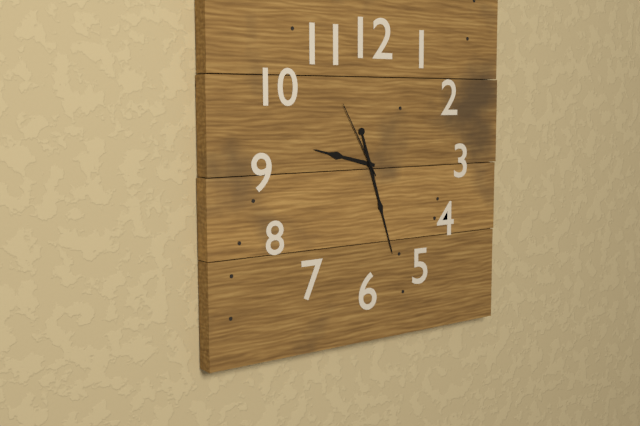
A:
h=9 m=27 s=55
